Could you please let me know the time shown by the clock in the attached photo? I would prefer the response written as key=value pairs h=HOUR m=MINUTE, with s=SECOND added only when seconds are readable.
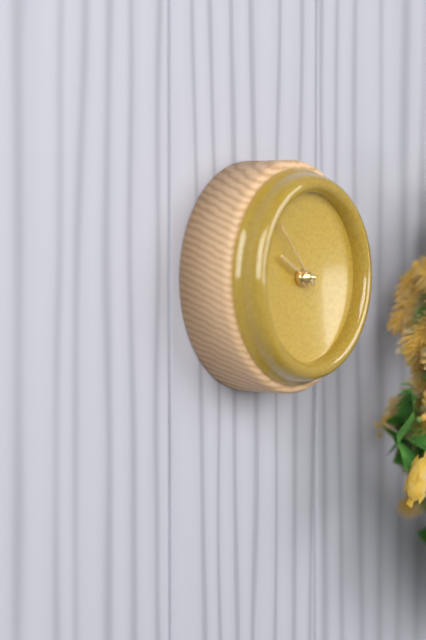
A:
h=9 m=53
